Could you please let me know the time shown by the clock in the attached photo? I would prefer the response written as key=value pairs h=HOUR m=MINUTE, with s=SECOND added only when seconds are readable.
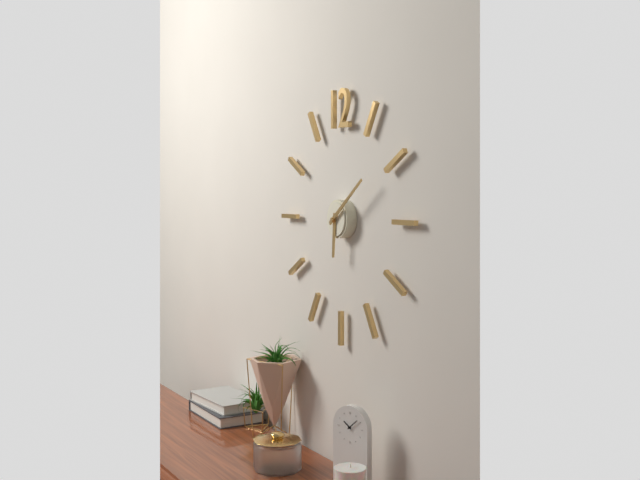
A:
h=6 m=9
